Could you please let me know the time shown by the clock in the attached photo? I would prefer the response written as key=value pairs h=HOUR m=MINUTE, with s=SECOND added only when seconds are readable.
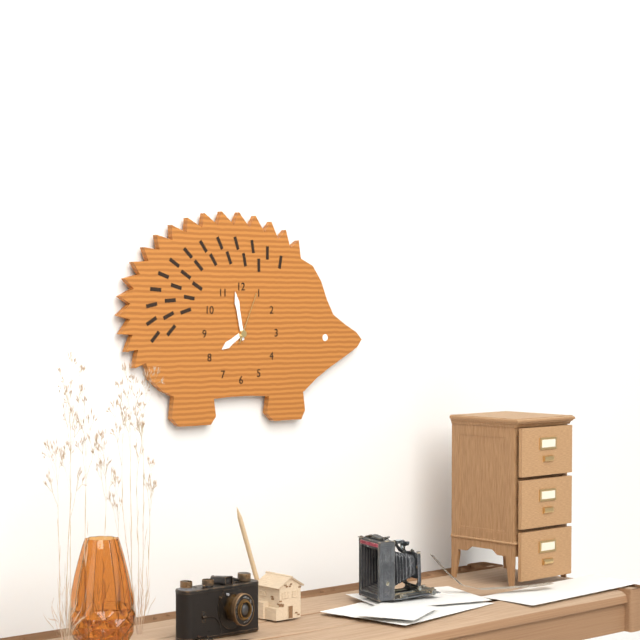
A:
h=7 m=58 s=4
